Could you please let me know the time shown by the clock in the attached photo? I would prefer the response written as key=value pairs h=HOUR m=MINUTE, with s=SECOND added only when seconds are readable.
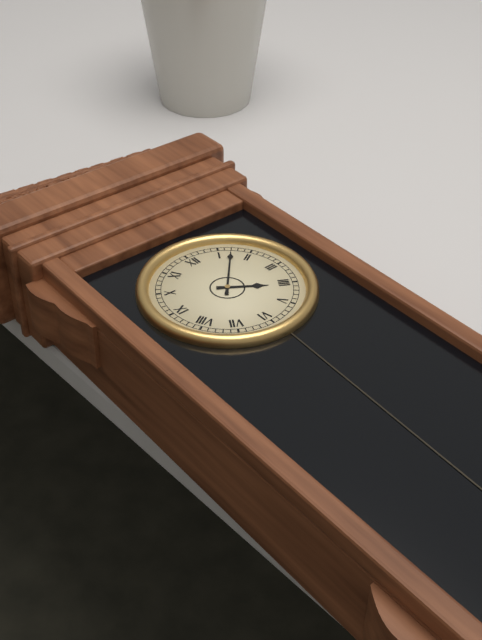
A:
h=4 m=7
